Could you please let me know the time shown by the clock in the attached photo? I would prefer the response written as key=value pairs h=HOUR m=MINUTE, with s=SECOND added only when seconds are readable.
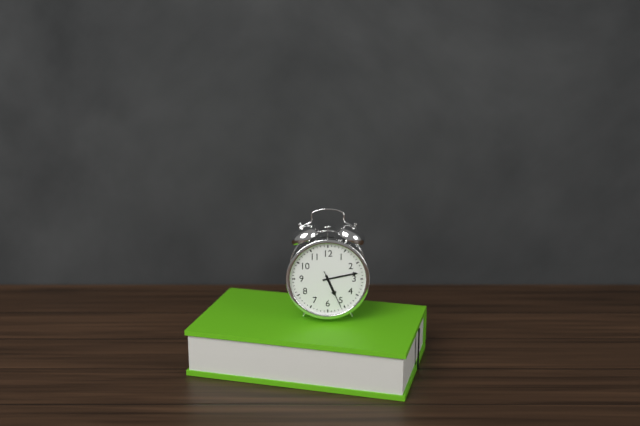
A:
h=5 m=13
